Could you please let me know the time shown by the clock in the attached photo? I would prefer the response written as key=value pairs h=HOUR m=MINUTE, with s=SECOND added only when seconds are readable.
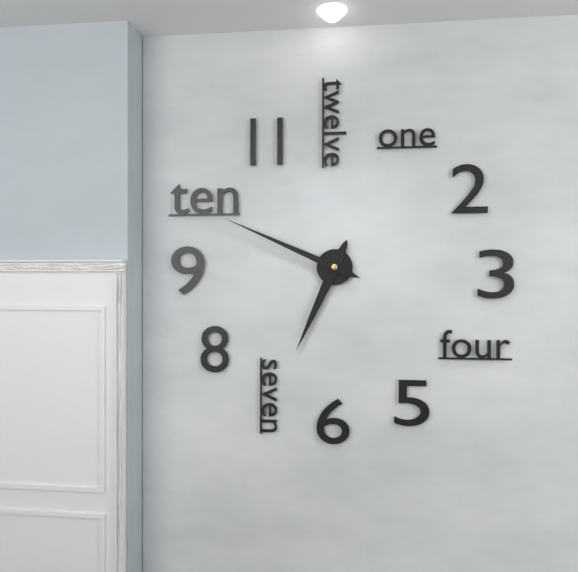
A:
h=6 m=49
